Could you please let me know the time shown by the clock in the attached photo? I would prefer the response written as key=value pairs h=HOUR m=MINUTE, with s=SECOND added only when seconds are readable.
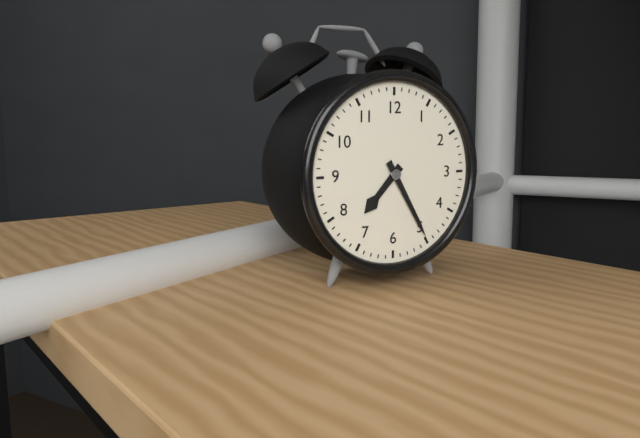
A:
h=7 m=25
